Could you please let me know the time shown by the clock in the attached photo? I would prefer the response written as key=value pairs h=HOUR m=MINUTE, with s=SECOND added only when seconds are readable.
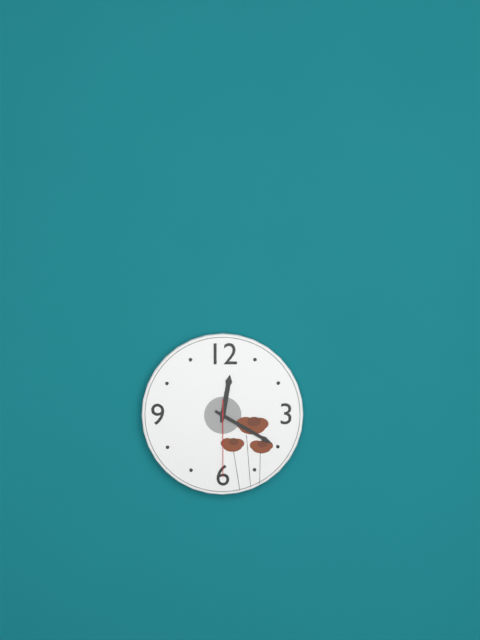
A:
h=12 m=20 s=30
